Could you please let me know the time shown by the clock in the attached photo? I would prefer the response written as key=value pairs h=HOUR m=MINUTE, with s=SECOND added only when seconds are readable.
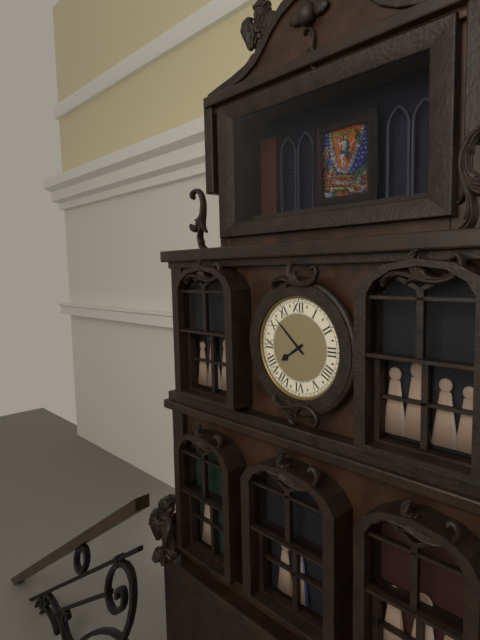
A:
h=7 m=52
